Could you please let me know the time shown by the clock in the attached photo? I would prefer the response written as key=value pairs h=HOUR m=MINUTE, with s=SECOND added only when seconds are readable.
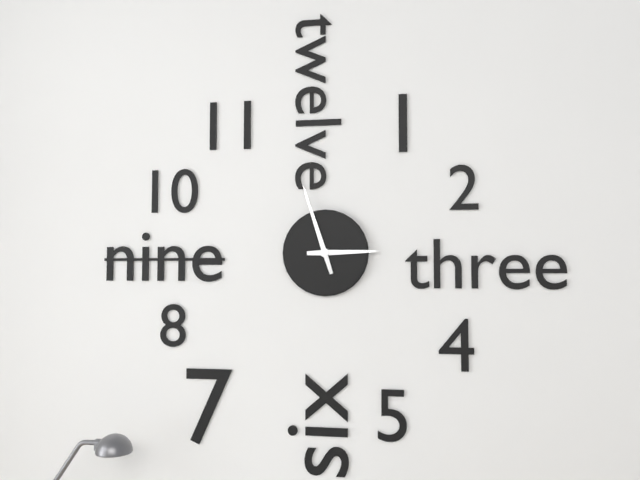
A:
h=2 m=57
